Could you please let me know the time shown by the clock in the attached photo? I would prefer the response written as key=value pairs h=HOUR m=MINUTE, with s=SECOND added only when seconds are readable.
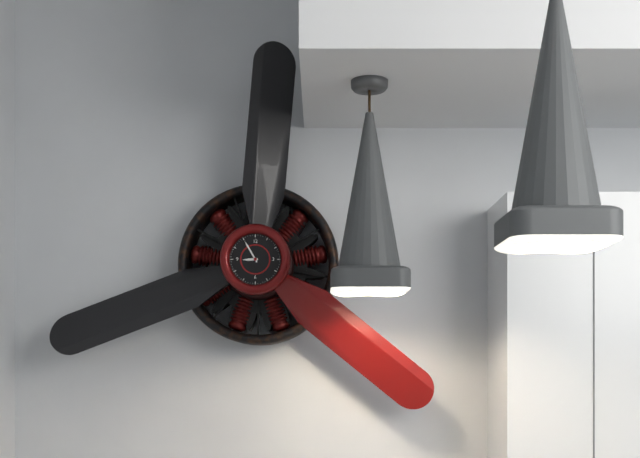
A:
h=8 m=55
